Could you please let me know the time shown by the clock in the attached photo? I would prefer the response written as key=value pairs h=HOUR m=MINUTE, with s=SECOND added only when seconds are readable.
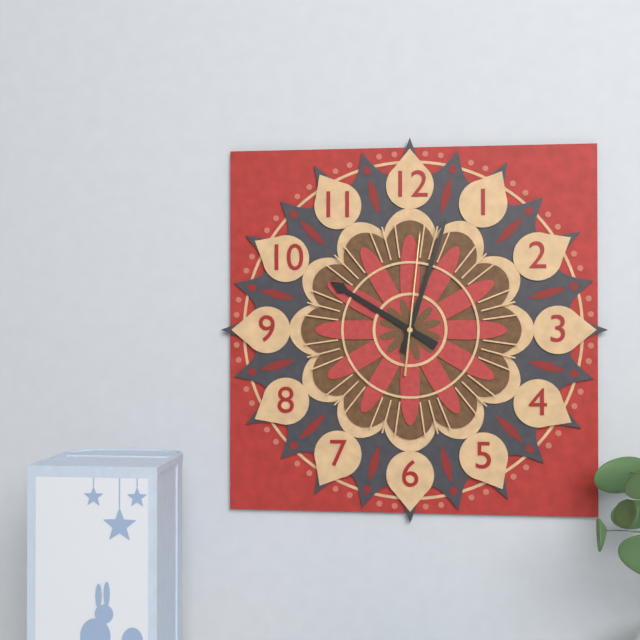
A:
h=10 m=3 s=1
